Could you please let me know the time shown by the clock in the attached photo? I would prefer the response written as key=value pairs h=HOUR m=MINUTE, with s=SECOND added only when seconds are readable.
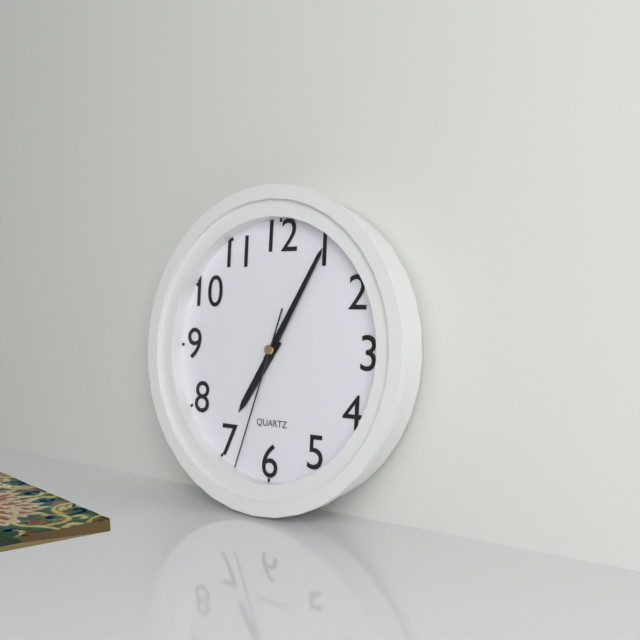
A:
h=7 m=5 s=33
